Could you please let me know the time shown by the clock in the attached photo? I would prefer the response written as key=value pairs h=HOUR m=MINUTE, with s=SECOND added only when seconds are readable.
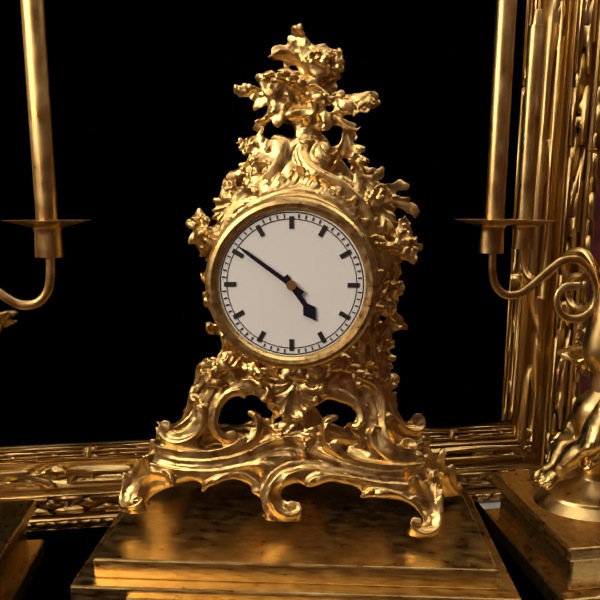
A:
h=4 m=51
